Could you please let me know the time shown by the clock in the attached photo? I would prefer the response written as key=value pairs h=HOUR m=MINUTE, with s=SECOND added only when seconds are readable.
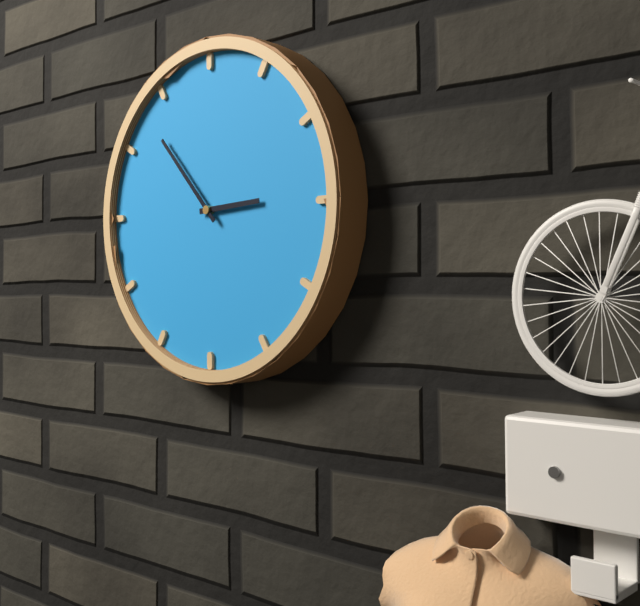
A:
h=2 m=53
